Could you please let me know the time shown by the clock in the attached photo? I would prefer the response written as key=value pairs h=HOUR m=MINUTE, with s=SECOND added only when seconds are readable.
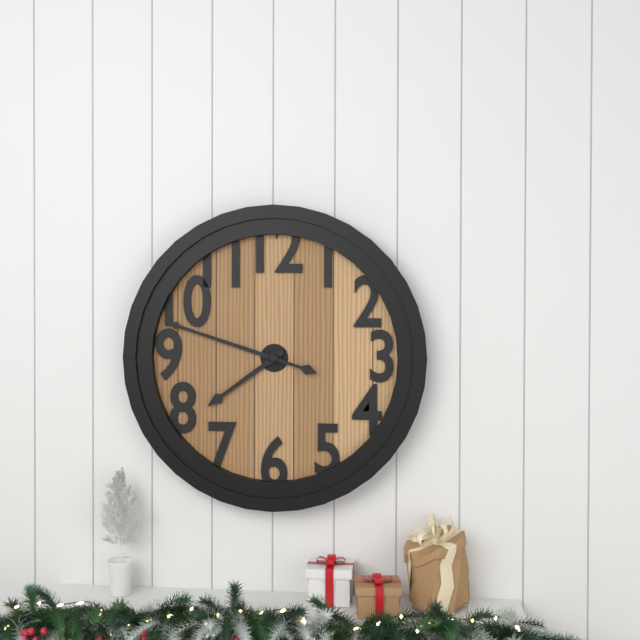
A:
h=7 m=48
